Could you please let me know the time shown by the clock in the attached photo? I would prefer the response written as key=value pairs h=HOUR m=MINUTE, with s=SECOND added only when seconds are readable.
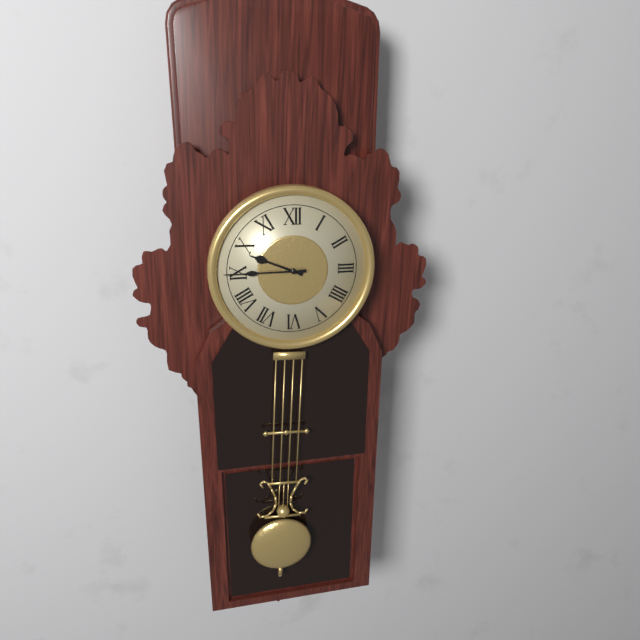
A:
h=9 m=45
